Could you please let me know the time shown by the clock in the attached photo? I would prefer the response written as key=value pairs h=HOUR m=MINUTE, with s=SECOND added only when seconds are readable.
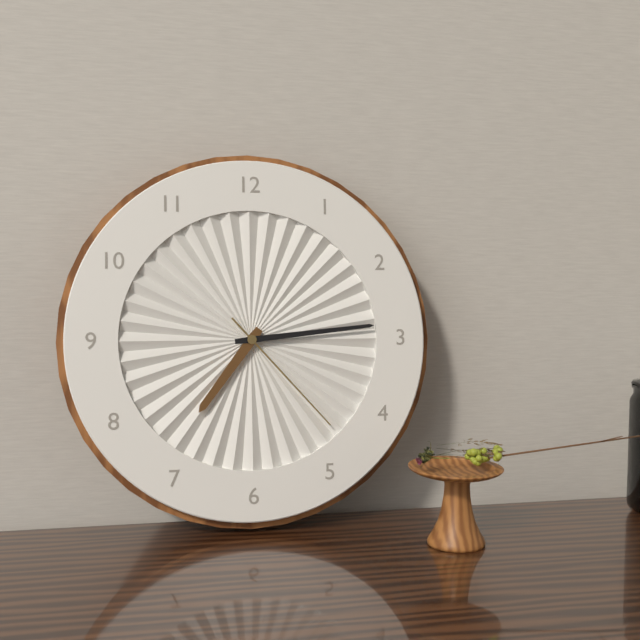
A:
h=7 m=14 s=23
